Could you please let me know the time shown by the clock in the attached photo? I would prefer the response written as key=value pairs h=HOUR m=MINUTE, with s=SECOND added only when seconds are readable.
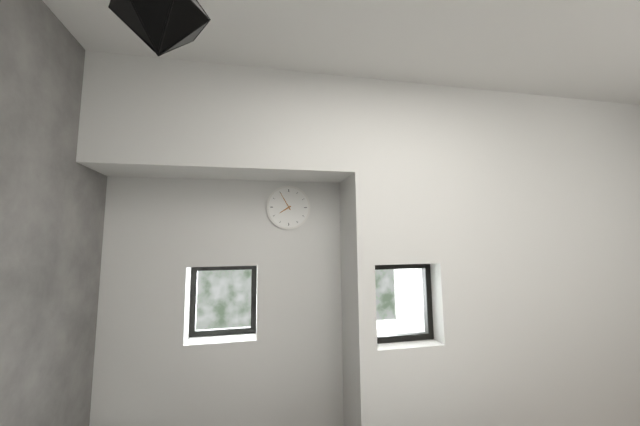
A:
h=7 m=55
